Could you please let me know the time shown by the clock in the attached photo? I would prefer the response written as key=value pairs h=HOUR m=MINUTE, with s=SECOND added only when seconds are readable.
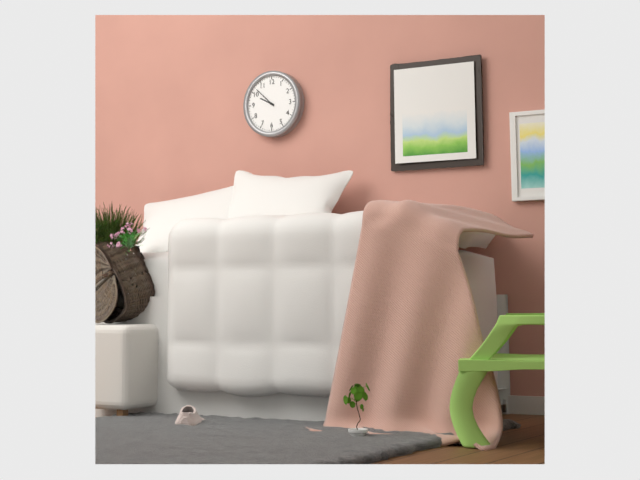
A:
h=9 m=52
